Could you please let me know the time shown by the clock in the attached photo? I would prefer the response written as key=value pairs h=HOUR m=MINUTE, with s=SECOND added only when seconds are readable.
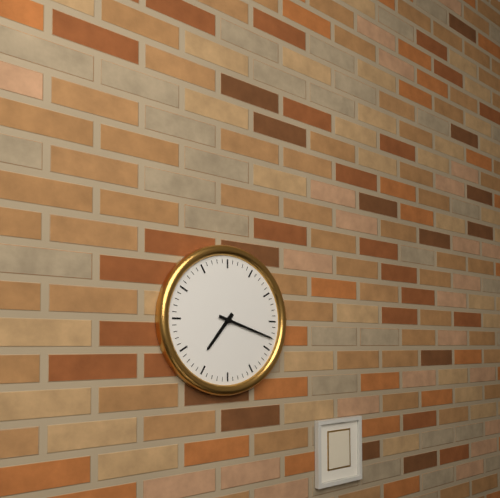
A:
h=7 m=18
